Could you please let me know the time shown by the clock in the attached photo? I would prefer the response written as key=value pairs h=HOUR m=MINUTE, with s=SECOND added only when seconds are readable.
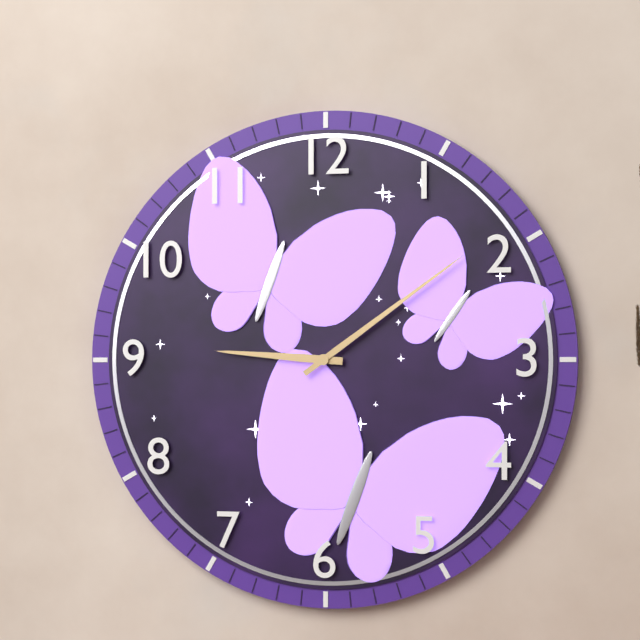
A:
h=9 m=9
